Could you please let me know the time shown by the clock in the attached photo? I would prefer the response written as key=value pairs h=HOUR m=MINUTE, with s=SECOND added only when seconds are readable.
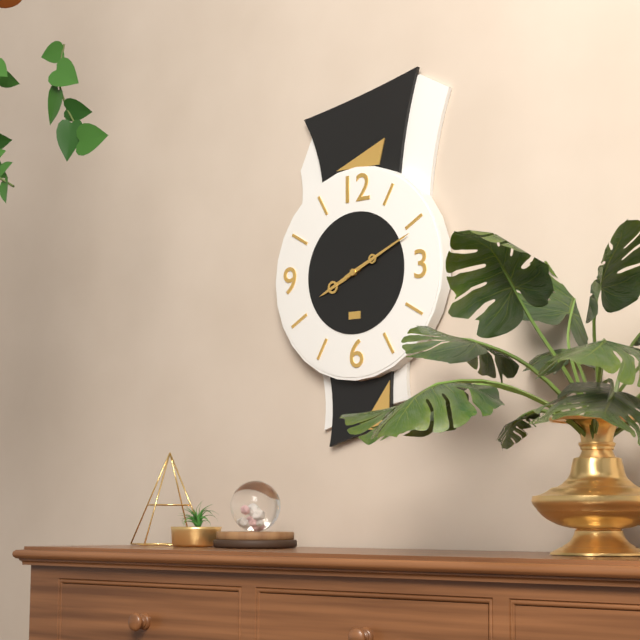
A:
h=8 m=11
